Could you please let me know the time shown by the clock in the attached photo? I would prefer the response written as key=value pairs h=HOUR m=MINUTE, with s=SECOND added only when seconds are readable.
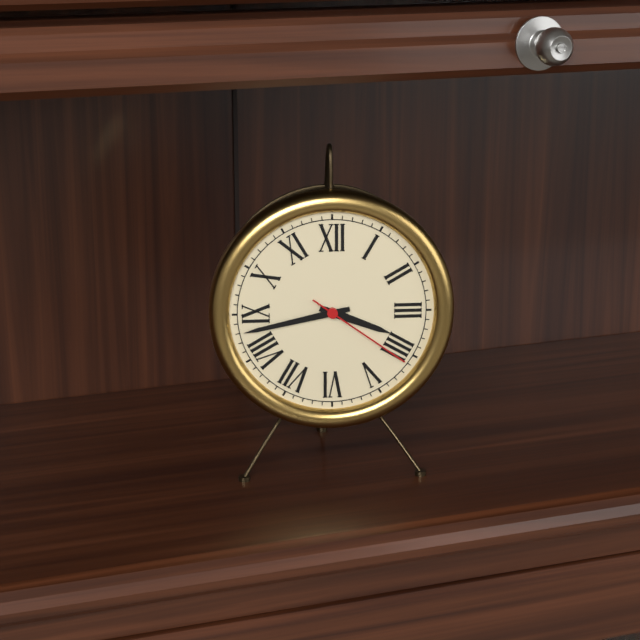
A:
h=3 m=43 s=21
